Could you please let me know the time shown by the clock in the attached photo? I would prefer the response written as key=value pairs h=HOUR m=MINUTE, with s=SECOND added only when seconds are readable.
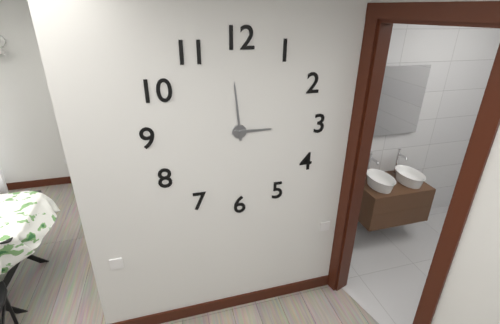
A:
h=2 m=59
